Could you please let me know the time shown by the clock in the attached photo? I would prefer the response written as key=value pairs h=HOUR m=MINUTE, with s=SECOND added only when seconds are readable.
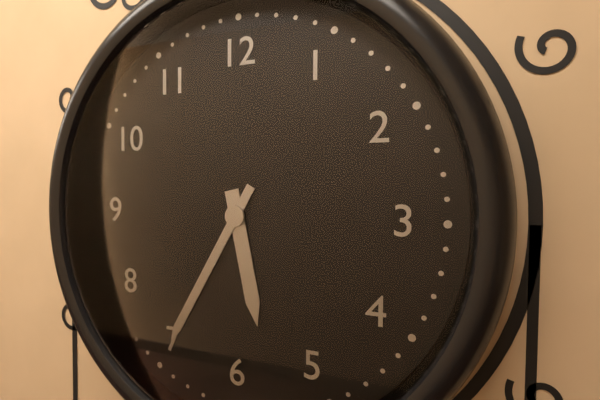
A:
h=5 m=35
